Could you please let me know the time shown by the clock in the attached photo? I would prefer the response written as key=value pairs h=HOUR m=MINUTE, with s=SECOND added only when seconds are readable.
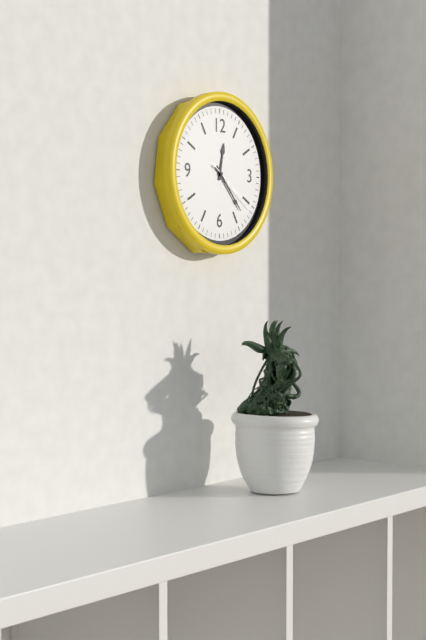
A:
h=12 m=23 s=21
